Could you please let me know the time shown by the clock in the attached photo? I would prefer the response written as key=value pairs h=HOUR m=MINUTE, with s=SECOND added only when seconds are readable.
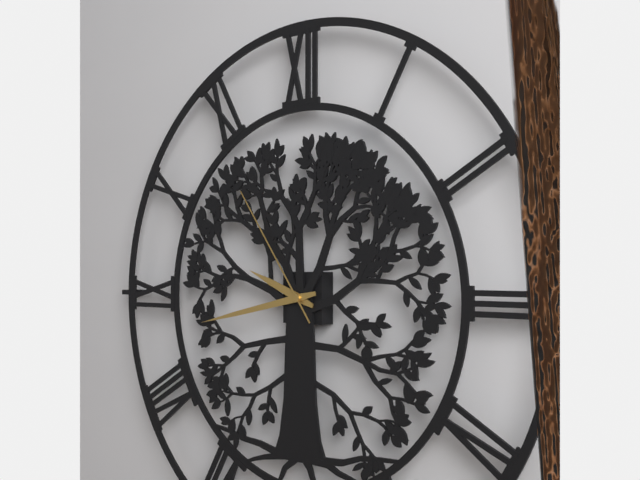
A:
h=9 m=43 s=54
